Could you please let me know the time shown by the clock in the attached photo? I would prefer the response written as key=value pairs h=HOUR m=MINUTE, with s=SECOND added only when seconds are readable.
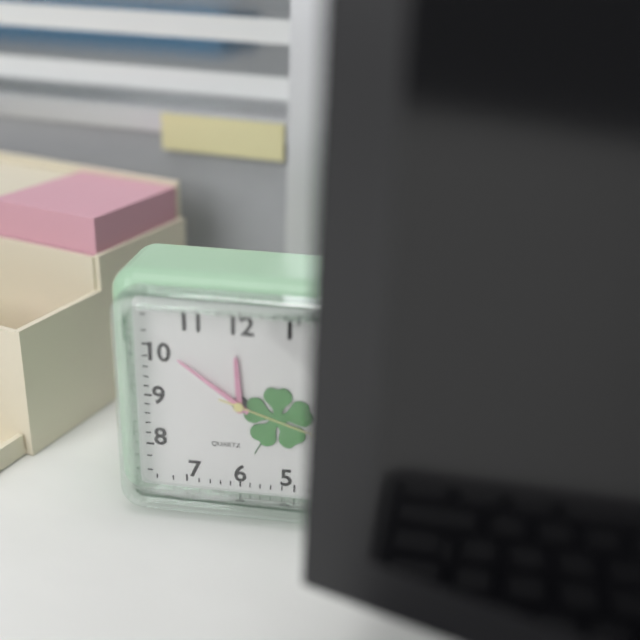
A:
h=11 m=51 s=18
